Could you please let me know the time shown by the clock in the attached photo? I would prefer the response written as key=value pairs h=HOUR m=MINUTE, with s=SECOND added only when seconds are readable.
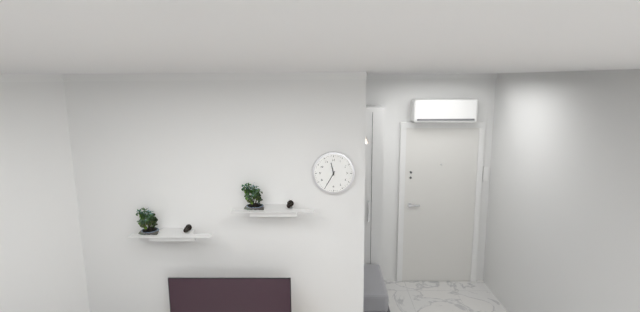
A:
h=11 m=35
